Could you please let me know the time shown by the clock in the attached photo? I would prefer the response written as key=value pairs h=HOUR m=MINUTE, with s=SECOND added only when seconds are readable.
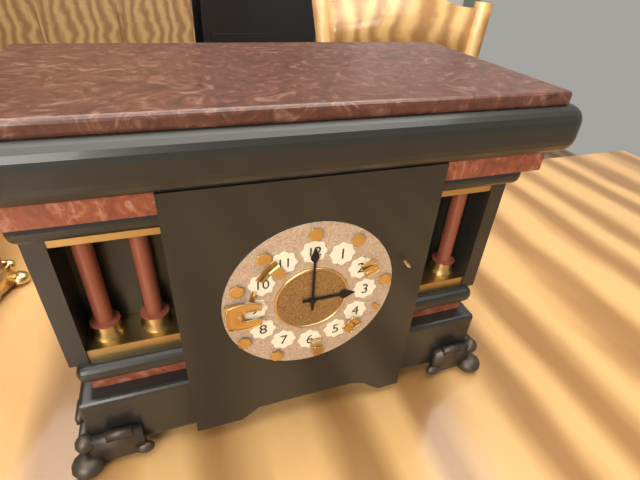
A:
h=3 m=0
